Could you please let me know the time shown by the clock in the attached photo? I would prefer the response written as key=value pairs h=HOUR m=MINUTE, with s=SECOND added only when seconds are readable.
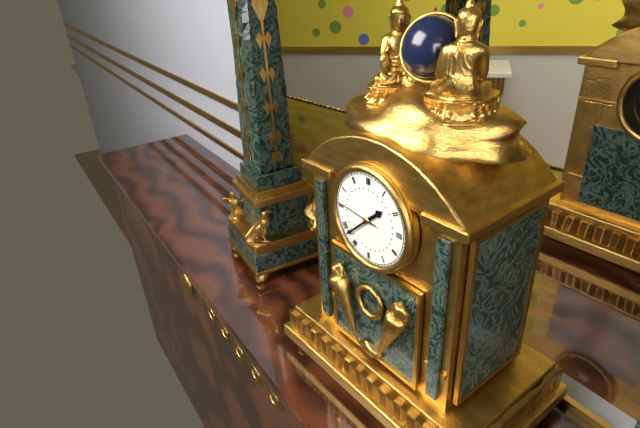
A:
h=1 m=38
